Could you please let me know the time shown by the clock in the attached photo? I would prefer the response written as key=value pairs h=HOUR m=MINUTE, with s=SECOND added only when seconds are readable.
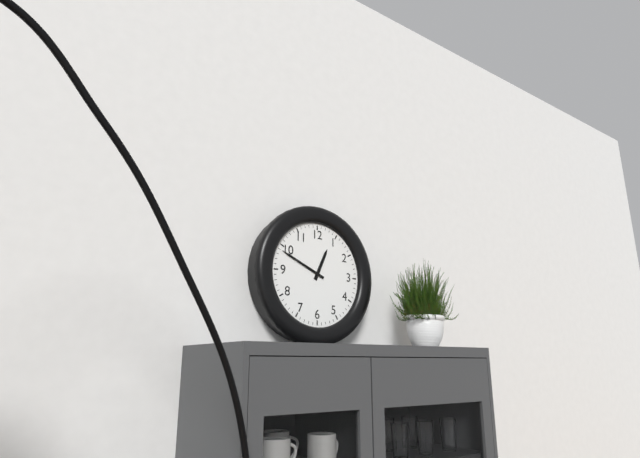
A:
h=12 m=49
